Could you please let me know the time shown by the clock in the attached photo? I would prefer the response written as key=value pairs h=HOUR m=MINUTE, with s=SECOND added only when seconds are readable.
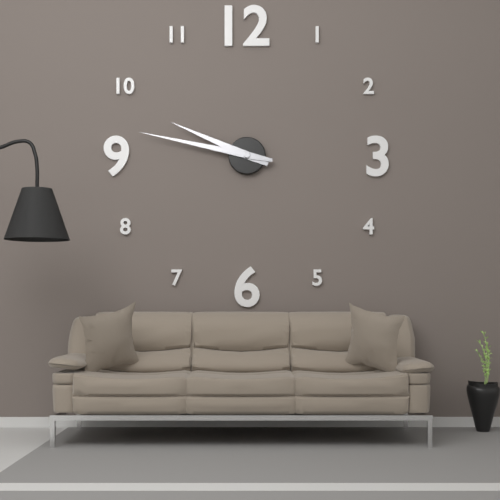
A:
h=9 m=47
